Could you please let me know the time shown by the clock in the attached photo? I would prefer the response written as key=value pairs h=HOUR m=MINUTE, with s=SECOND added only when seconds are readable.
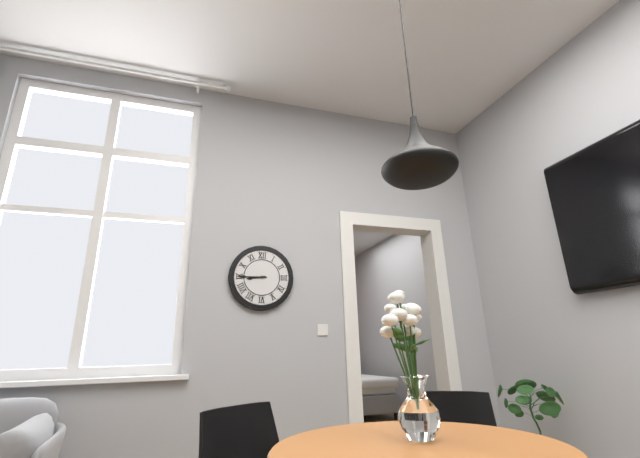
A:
h=8 m=45
